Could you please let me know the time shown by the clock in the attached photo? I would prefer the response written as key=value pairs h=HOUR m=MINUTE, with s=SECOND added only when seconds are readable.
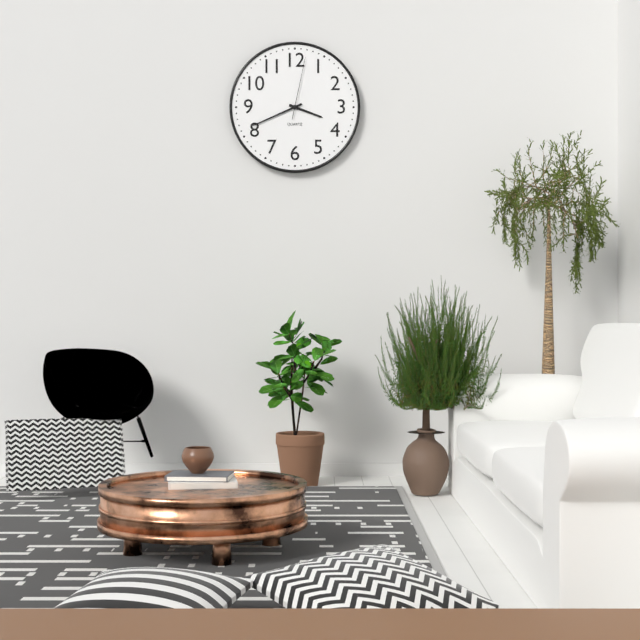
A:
h=3 m=41 s=2
